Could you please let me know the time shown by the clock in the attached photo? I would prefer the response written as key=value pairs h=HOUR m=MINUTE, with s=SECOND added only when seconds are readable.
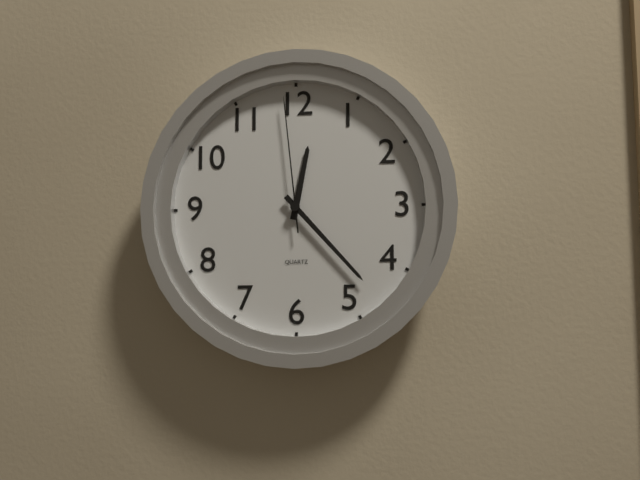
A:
h=12 m=23 s=59
